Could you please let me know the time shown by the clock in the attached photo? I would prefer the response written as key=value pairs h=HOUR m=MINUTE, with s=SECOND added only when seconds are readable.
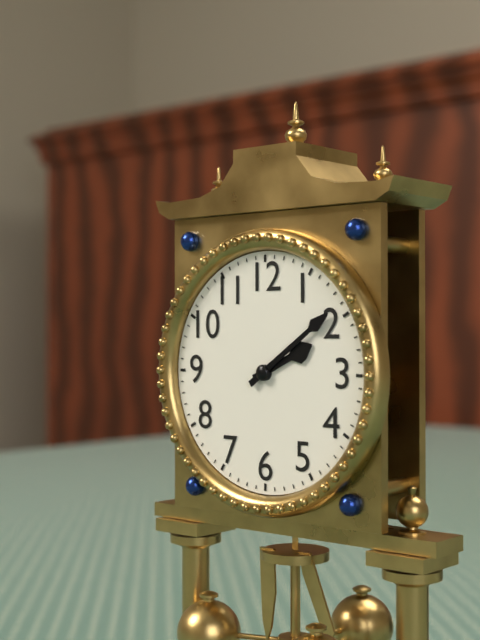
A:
h=2 m=9
